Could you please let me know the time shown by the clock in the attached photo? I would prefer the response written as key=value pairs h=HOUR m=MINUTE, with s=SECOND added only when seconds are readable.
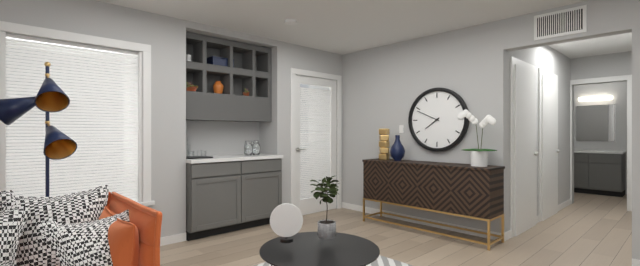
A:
h=7 m=49
